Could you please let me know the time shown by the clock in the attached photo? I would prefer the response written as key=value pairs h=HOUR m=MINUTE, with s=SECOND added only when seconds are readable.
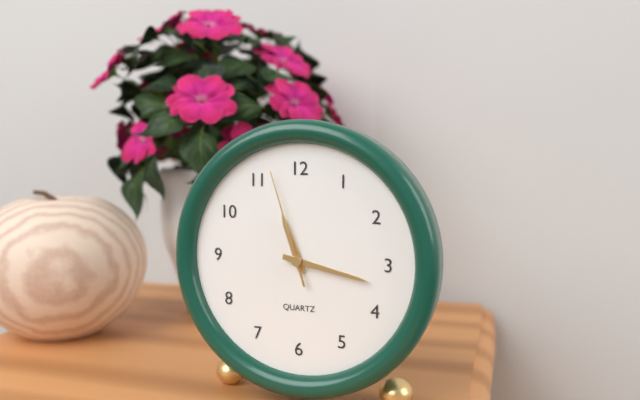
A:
h=11 m=17 s=57
